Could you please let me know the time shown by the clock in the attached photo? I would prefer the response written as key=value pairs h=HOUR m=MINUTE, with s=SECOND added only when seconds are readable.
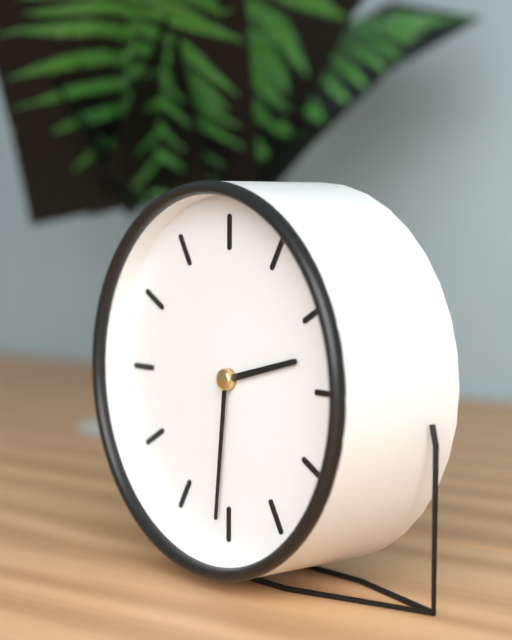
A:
h=2 m=31
